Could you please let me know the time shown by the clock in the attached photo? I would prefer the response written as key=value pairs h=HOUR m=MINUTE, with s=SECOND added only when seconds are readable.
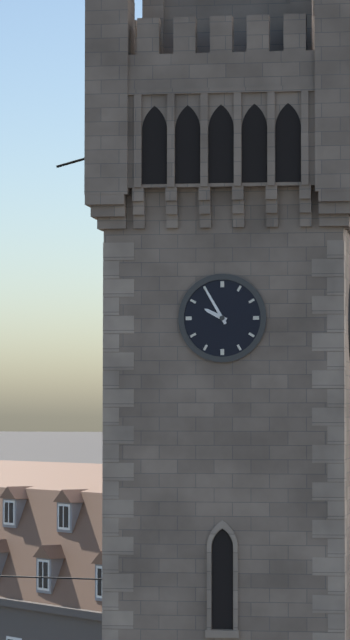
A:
h=9 m=55
